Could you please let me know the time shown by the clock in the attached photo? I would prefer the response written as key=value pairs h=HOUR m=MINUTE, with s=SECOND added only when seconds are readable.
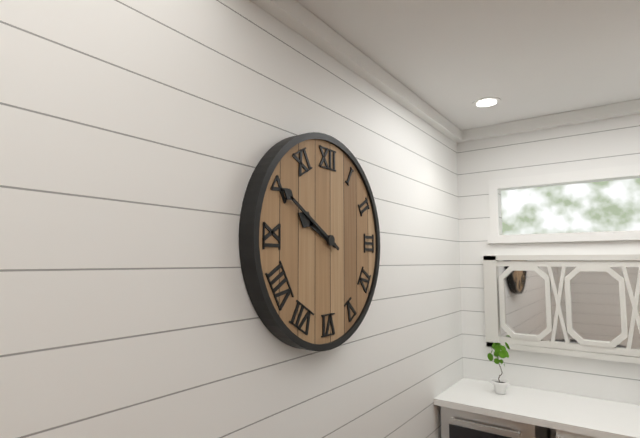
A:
h=9 m=50
